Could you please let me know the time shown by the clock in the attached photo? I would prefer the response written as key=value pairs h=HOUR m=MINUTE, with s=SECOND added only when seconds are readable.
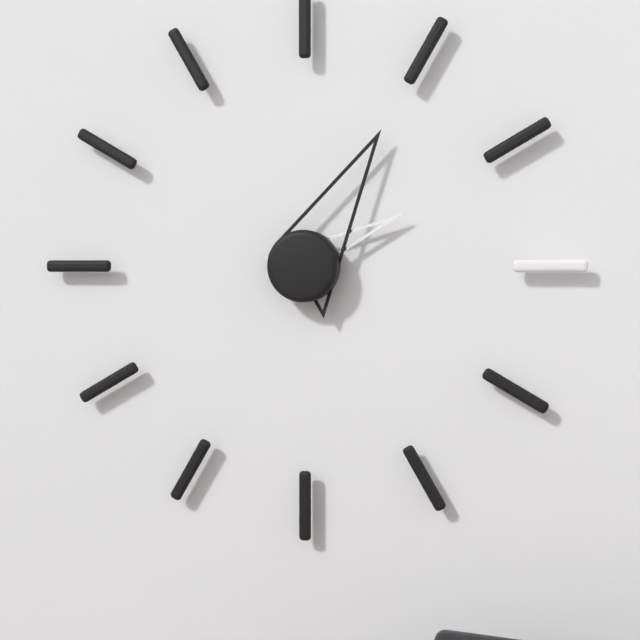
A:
h=2 m=5
